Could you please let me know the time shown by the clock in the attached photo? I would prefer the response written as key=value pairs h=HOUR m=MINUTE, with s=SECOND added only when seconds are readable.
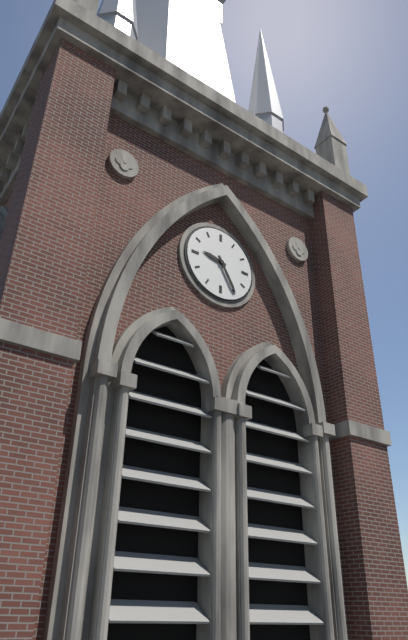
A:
h=9 m=25
